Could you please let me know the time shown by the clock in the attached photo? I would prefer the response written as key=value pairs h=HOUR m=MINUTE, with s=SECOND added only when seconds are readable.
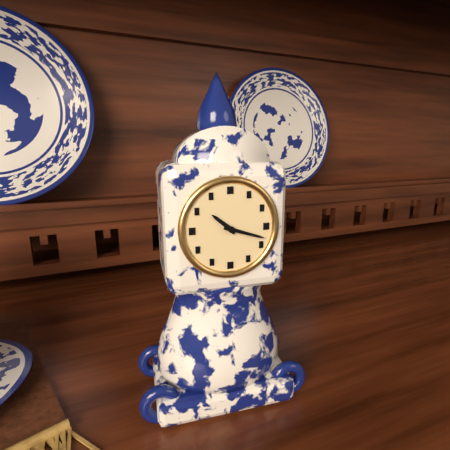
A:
h=10 m=18
